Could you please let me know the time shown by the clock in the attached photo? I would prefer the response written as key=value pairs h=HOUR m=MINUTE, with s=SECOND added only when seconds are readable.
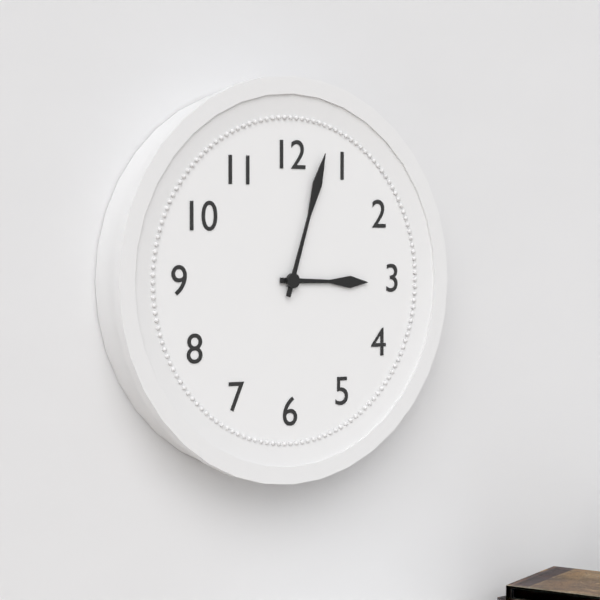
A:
h=3 m=3
